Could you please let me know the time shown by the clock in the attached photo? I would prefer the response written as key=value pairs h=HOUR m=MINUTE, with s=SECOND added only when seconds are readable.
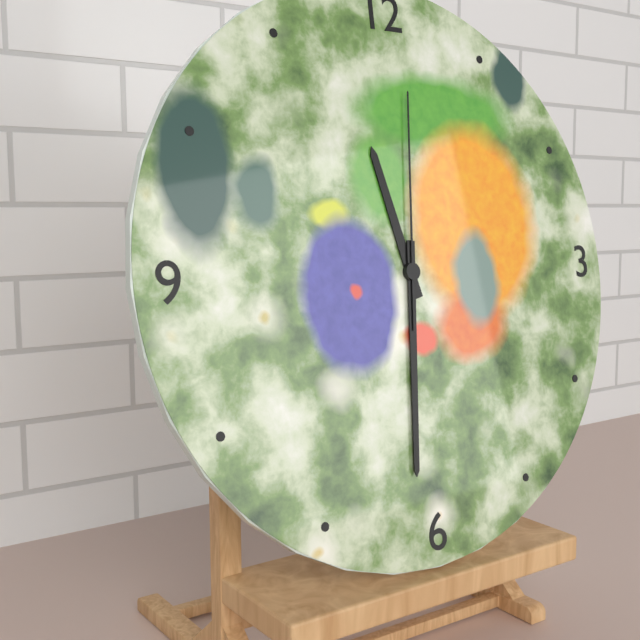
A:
h=11 m=31 s=1
